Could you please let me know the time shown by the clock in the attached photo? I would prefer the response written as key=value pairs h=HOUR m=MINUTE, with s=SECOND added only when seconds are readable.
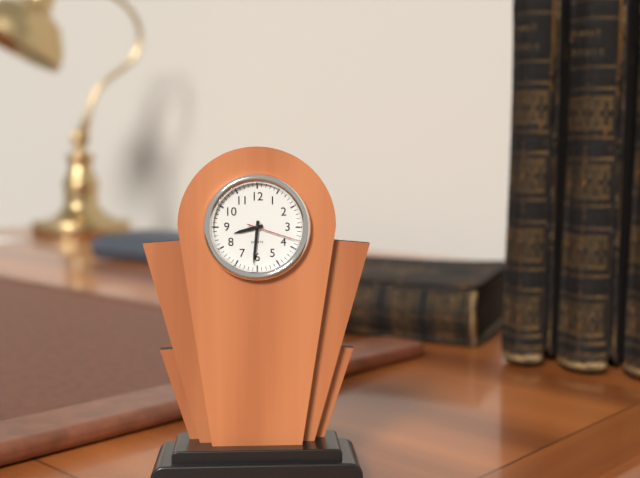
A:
h=8 m=31 s=18
